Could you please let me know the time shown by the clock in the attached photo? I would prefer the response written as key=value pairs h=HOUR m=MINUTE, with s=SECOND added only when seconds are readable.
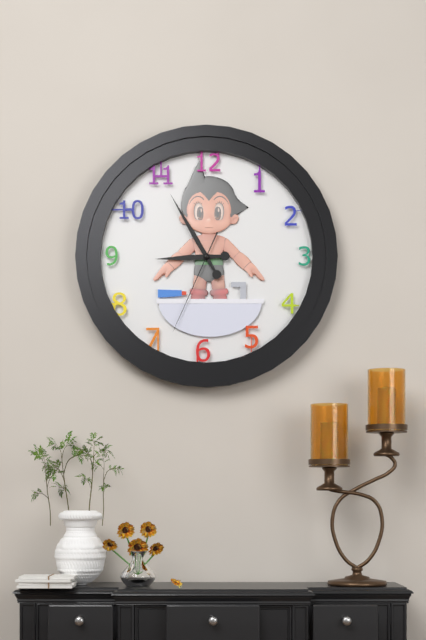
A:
h=8 m=55 s=34
